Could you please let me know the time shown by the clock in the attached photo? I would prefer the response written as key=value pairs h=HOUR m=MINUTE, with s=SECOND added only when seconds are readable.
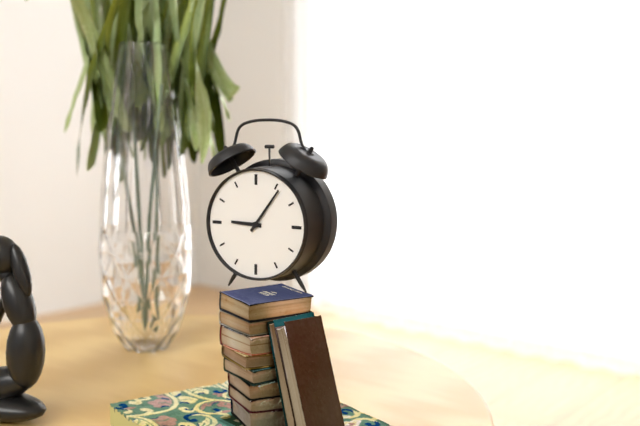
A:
h=9 m=6
